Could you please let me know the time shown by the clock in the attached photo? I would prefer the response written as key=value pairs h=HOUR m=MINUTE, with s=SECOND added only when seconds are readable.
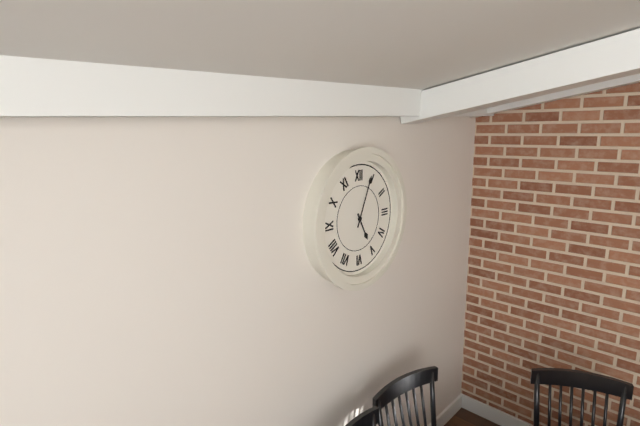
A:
h=5 m=4
